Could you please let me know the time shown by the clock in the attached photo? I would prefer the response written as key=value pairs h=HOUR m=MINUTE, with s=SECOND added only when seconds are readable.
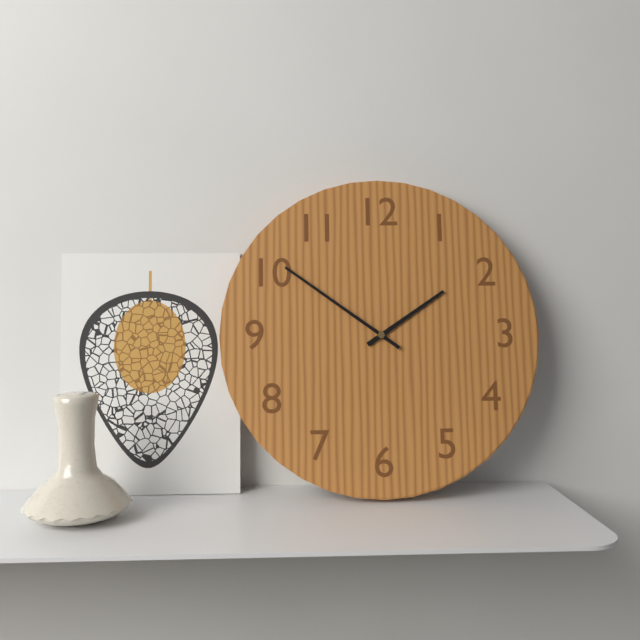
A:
h=1 m=51
